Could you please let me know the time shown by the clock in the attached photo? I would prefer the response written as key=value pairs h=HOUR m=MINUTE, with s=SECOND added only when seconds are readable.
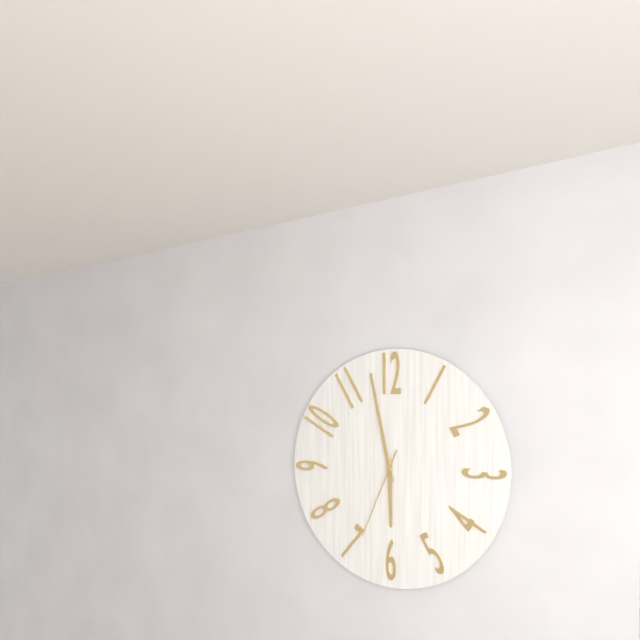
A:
h=5 m=58 s=34
